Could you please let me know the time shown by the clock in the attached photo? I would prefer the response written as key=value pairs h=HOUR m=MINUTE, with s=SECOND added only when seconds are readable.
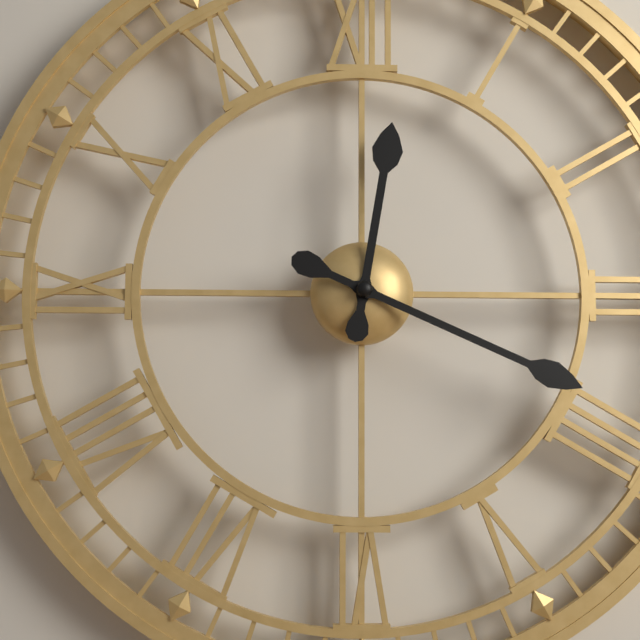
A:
h=12 m=19
